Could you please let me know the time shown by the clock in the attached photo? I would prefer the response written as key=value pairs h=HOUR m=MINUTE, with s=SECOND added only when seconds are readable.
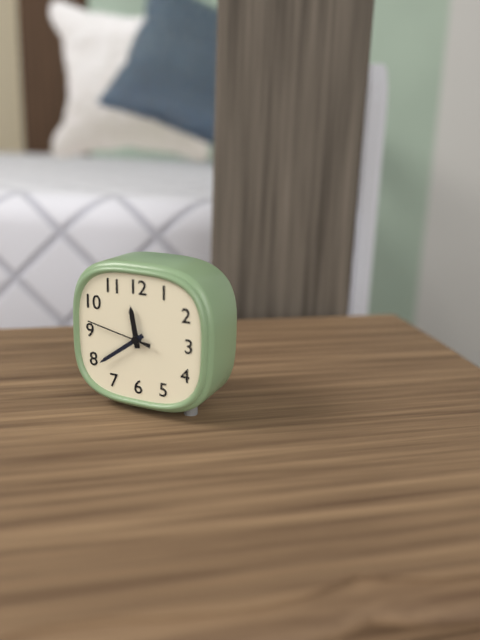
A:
h=11 m=39 s=47
